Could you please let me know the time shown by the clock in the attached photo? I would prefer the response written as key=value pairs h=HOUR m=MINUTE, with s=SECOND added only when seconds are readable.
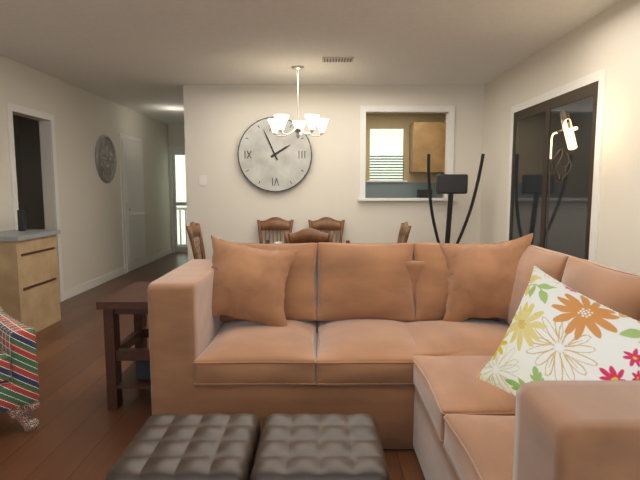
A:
h=1 m=56
